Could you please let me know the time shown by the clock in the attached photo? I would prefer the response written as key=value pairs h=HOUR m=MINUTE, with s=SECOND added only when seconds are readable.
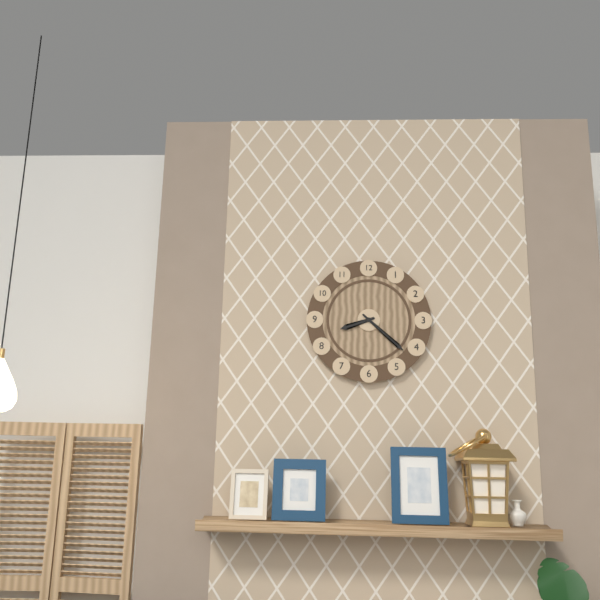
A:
h=8 m=22
